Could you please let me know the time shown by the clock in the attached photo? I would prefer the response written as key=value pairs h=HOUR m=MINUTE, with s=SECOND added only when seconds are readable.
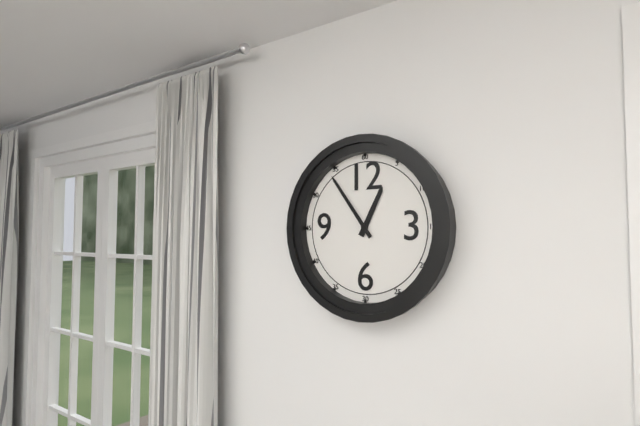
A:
h=12 m=54
